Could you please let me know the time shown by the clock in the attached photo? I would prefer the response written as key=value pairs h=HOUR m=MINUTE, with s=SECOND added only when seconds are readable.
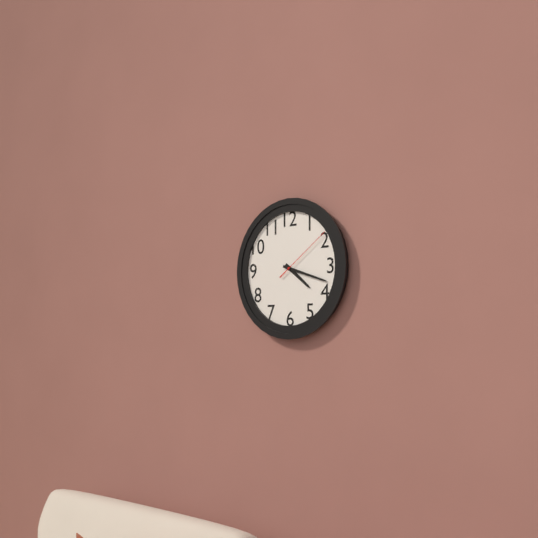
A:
h=4 m=18 s=9
